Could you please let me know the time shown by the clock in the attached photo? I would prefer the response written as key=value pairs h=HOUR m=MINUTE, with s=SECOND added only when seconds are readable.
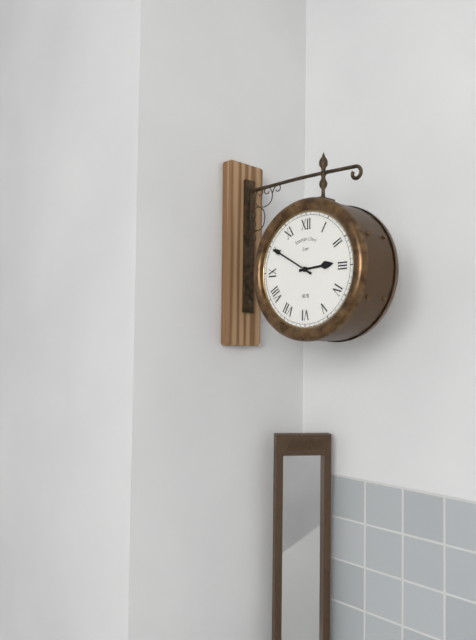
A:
h=2 m=50
